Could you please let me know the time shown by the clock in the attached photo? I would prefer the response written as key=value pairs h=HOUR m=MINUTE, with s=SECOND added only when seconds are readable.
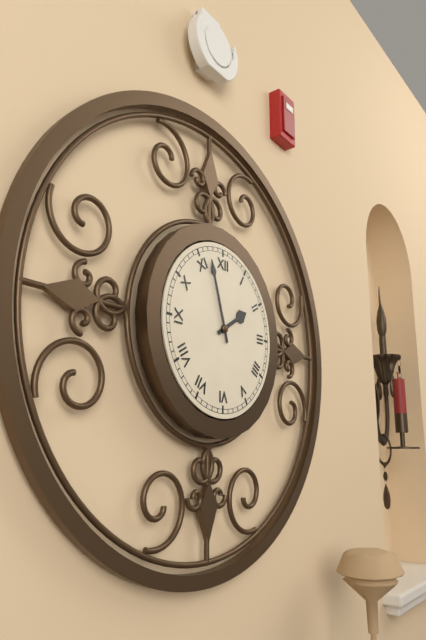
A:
h=1 m=57
